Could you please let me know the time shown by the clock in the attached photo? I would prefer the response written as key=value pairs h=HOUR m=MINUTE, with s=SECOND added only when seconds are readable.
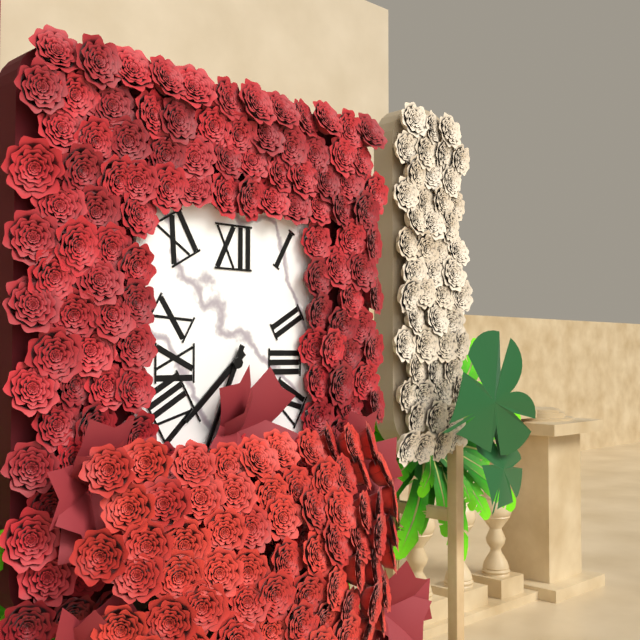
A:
h=7 m=34
